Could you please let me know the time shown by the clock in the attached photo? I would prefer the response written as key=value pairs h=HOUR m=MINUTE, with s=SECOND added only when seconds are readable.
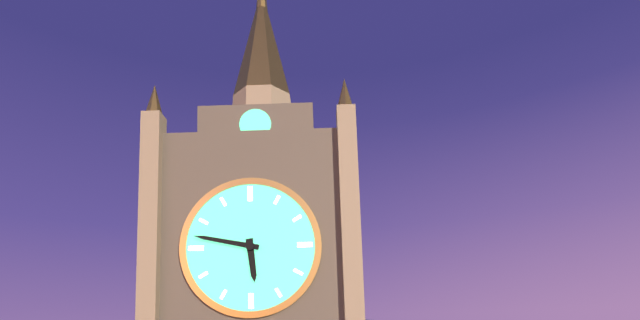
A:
h=5 m=47
